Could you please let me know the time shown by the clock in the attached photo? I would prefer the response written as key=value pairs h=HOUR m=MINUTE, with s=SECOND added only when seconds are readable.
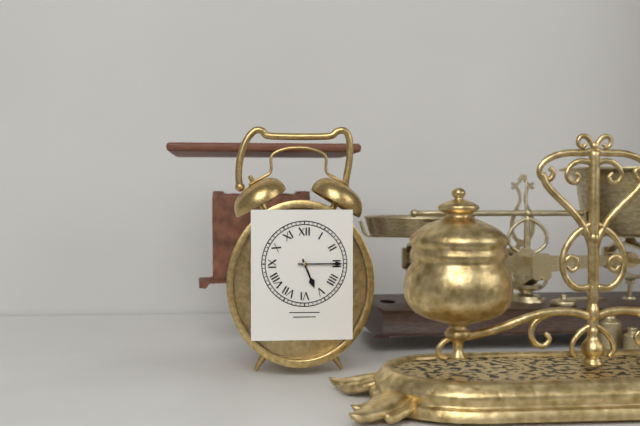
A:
h=5 m=15
